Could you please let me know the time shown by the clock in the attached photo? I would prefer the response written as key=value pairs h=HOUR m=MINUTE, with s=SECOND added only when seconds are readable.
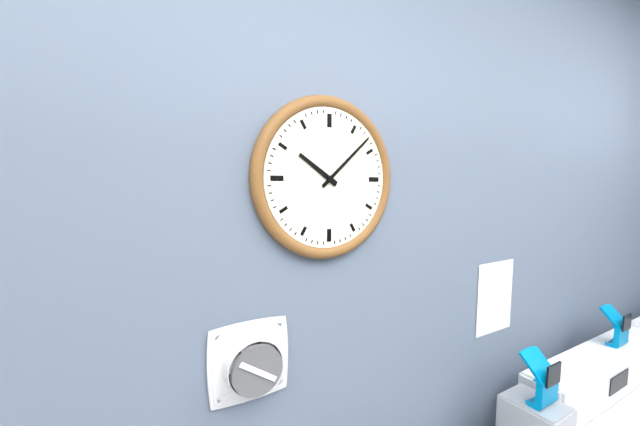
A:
h=10 m=8
